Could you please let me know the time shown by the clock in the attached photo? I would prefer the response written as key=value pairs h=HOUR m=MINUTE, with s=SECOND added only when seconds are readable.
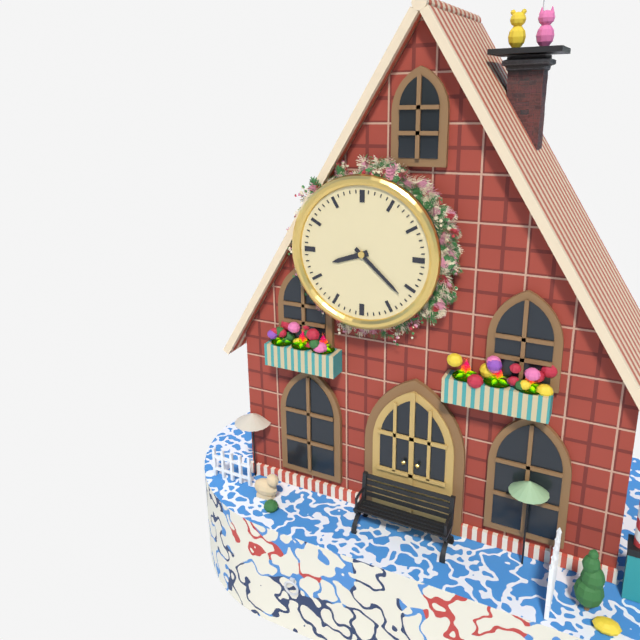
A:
h=8 m=22
